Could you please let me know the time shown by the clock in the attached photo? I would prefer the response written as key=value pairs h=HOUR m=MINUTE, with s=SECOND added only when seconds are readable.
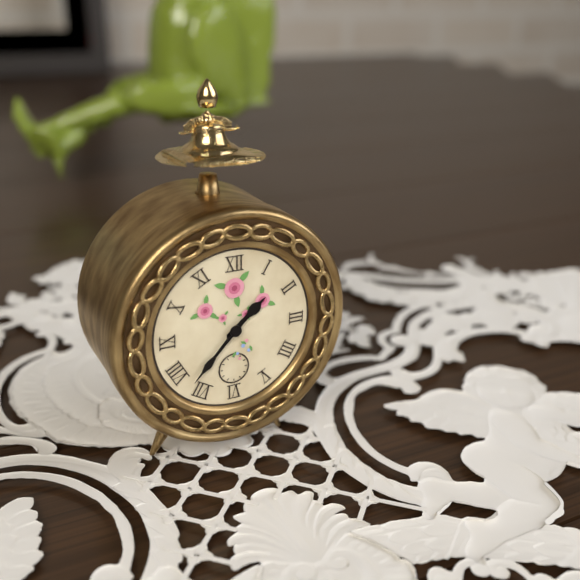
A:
h=1 m=37
